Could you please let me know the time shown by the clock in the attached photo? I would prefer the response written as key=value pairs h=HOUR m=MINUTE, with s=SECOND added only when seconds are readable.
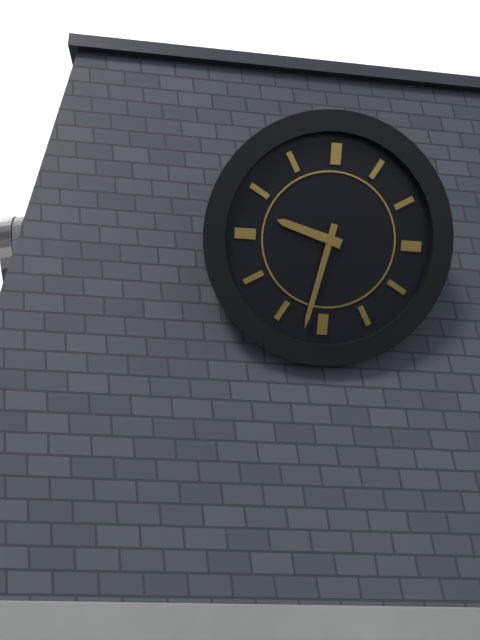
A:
h=9 m=32
